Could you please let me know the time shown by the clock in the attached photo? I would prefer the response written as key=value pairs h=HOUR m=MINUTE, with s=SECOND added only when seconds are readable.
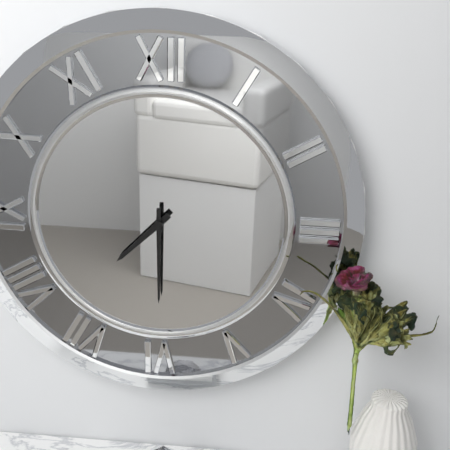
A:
h=7 m=30
